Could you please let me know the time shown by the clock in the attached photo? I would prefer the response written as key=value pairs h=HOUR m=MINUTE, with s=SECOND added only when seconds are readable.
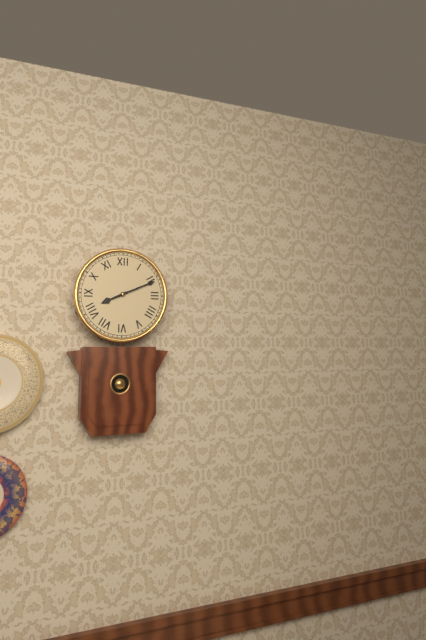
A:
h=8 m=11
